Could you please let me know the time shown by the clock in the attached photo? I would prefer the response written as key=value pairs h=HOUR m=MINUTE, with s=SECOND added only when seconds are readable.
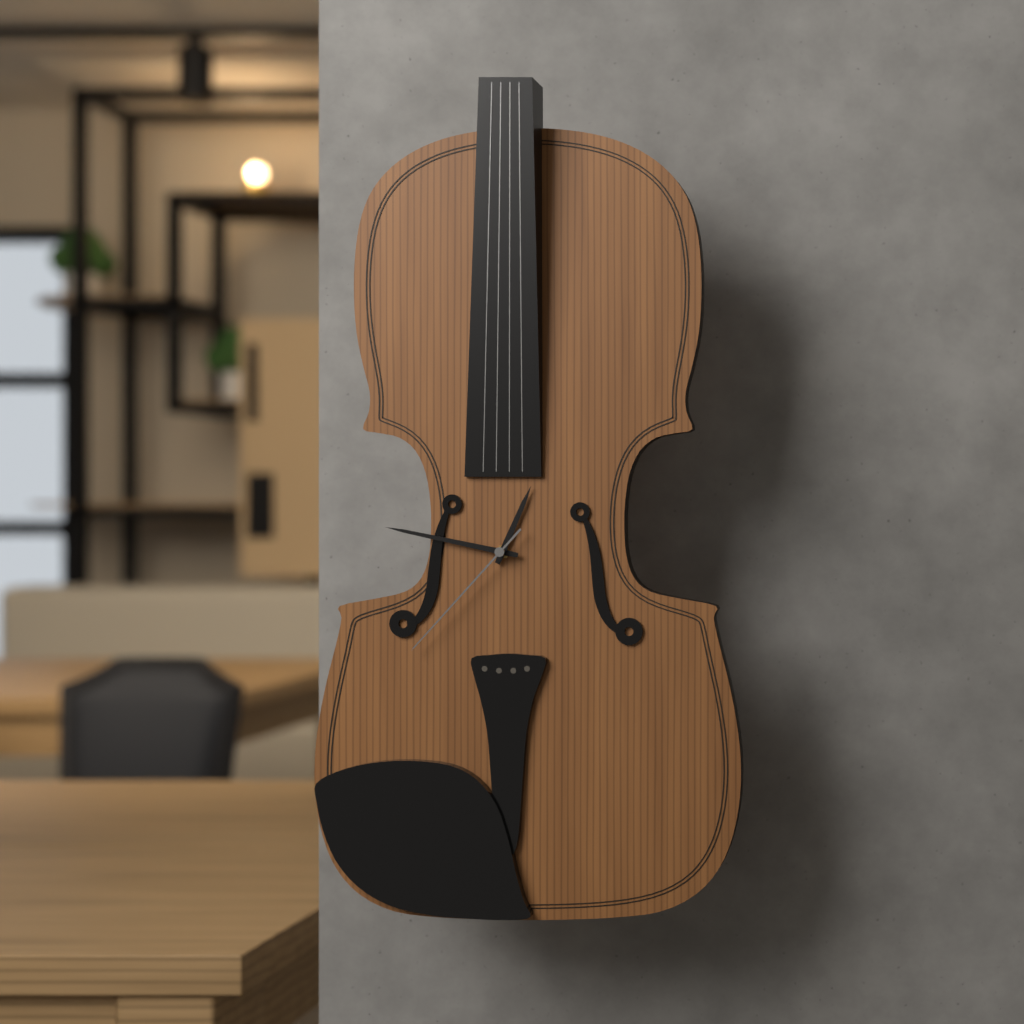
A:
h=12 m=47 s=37
